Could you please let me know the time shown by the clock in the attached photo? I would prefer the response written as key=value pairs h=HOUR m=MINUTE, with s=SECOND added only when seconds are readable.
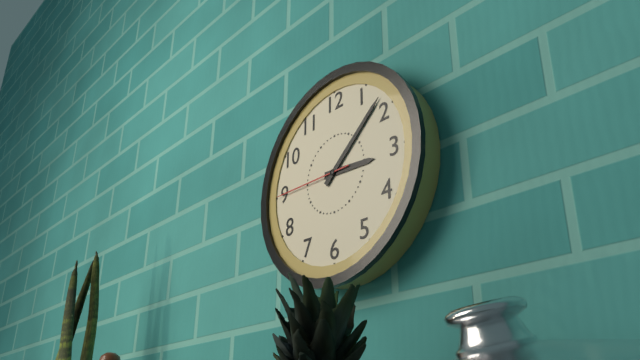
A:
h=3 m=8 s=45
